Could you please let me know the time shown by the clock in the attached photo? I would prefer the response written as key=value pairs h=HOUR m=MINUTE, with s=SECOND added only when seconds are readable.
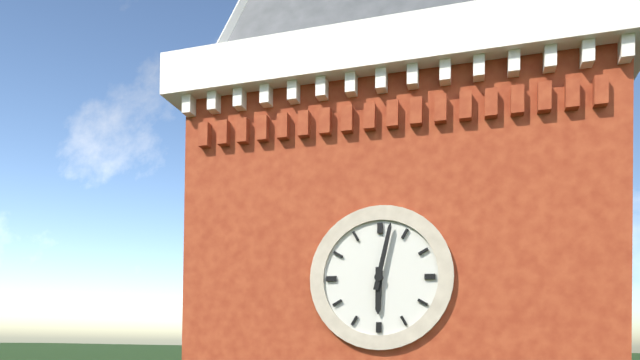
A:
h=6 m=2
